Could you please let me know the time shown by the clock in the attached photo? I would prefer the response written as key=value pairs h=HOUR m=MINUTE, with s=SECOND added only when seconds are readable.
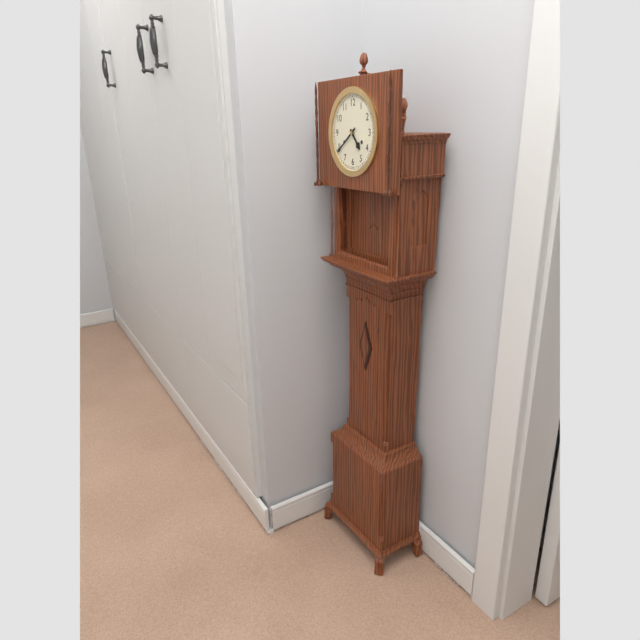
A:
h=4 m=39
